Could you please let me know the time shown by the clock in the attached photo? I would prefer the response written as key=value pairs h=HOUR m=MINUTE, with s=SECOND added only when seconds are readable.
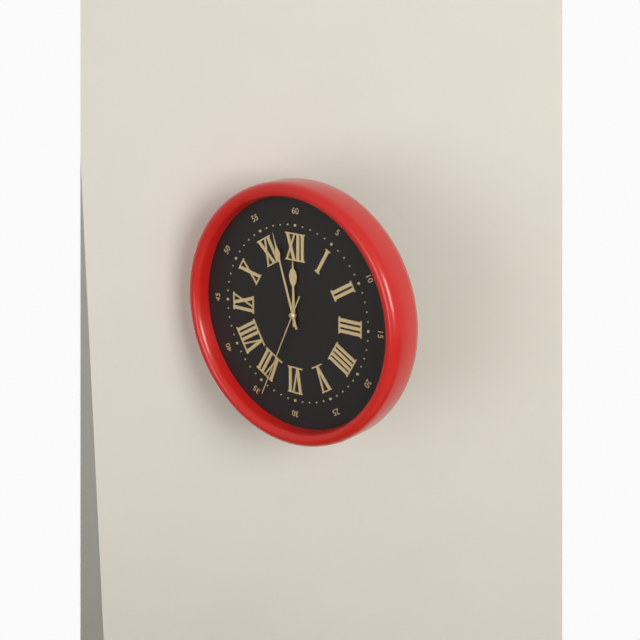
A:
h=11 m=57 s=34
